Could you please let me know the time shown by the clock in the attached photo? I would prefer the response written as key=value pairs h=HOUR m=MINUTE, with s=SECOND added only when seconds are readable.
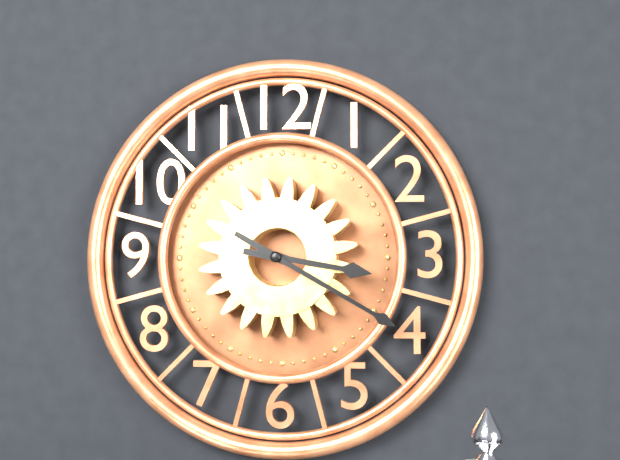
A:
h=3 m=20
